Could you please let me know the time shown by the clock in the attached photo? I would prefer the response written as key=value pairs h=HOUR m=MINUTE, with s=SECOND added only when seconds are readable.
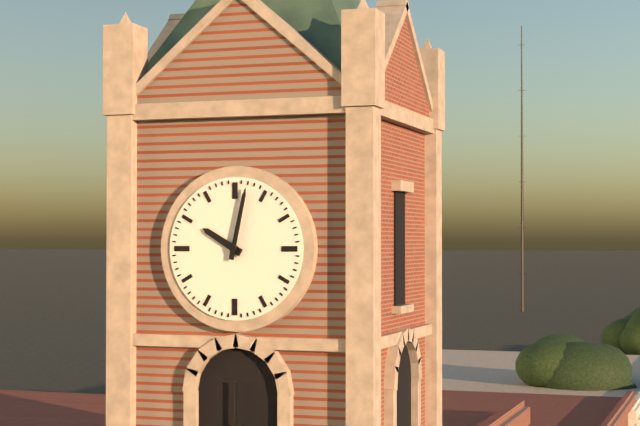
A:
h=10 m=2
